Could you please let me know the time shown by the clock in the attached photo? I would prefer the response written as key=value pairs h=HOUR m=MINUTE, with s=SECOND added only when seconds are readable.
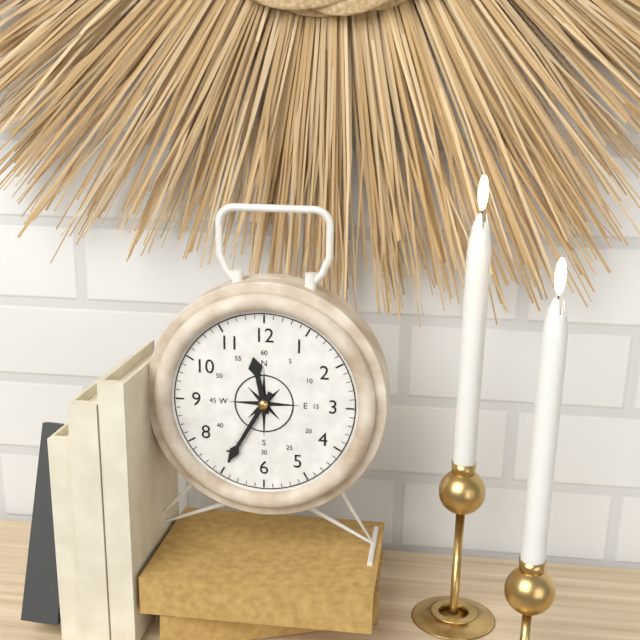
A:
h=11 m=35
